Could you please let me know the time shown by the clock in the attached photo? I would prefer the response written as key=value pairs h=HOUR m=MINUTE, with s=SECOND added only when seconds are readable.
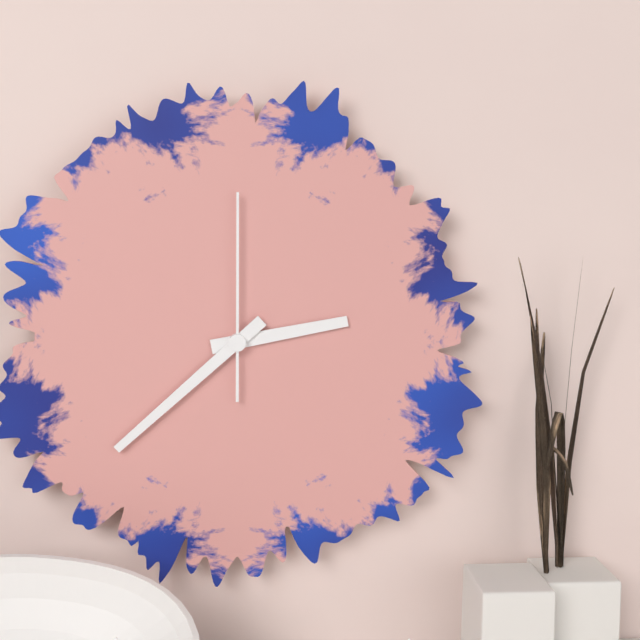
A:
h=2 m=38 s=0
